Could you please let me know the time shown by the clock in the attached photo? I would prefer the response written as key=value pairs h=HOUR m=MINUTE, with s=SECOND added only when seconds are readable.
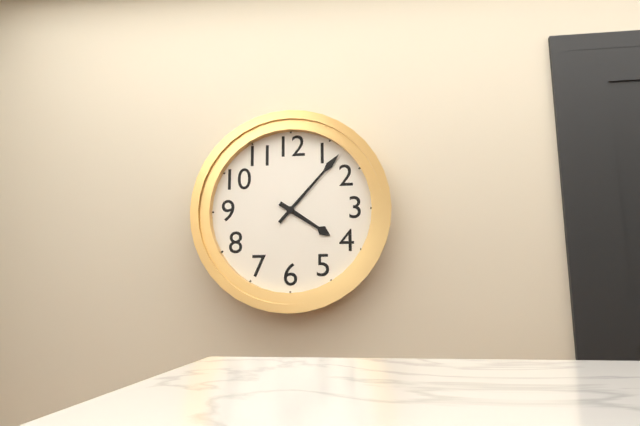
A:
h=4 m=7
